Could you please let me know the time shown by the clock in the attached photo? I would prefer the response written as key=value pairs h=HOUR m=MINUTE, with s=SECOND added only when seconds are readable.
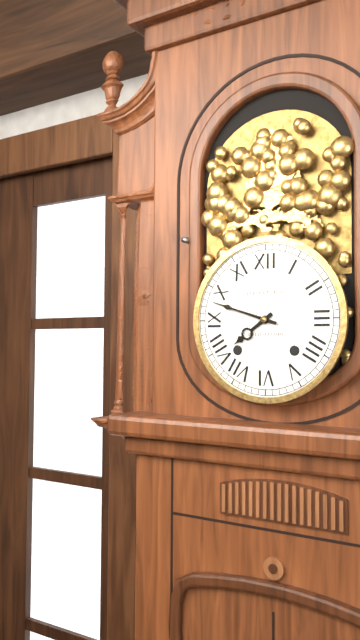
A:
h=7 m=48
